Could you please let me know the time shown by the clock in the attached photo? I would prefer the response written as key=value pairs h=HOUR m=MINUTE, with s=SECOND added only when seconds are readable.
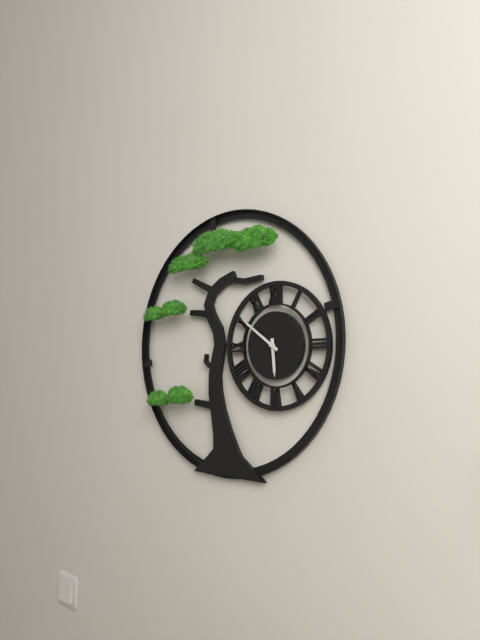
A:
h=5 m=51
